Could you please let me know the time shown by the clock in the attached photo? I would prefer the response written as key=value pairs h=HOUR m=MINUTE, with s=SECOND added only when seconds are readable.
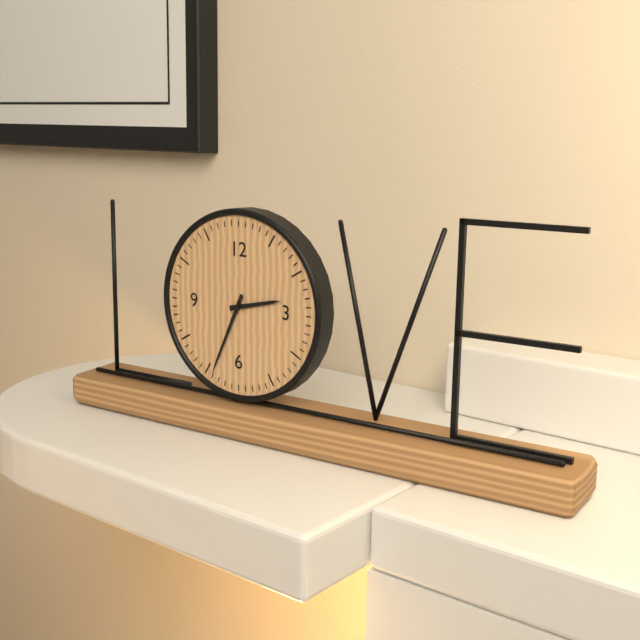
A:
h=2 m=34
